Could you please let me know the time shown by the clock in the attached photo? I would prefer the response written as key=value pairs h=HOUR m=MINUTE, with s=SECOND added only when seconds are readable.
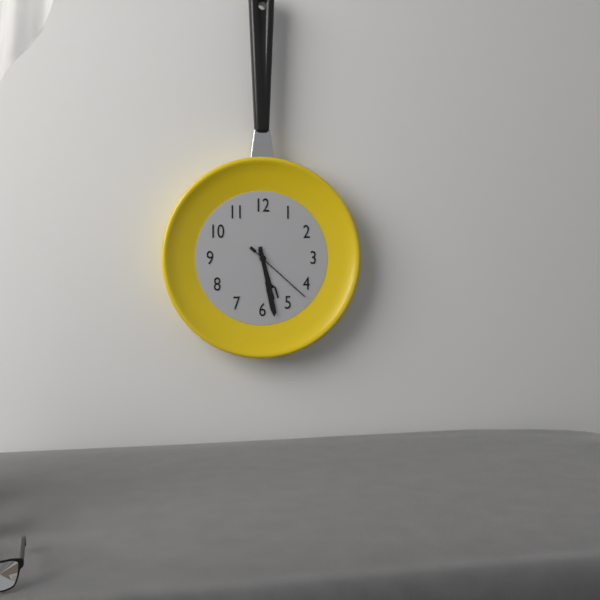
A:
h=5 m=28 s=22
